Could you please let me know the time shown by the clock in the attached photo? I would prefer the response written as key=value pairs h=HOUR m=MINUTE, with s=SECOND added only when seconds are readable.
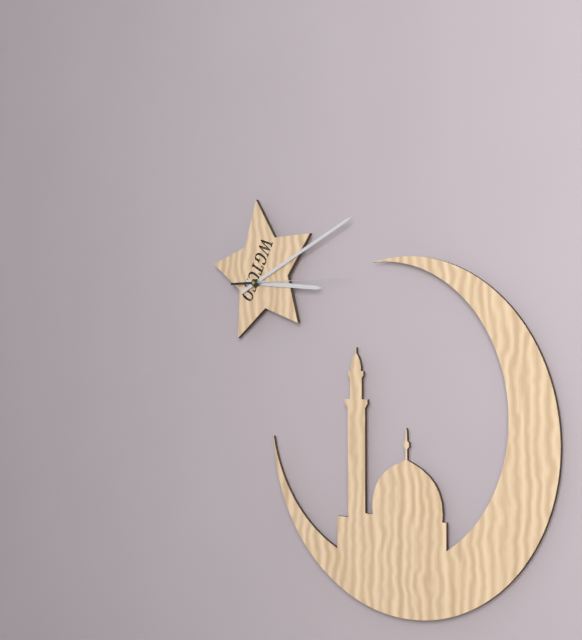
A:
h=3 m=11 s=15
